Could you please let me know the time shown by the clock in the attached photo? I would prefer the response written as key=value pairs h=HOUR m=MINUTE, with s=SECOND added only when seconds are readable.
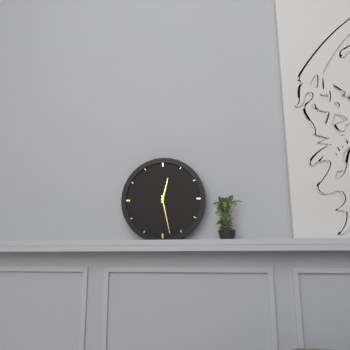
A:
h=12 m=28
